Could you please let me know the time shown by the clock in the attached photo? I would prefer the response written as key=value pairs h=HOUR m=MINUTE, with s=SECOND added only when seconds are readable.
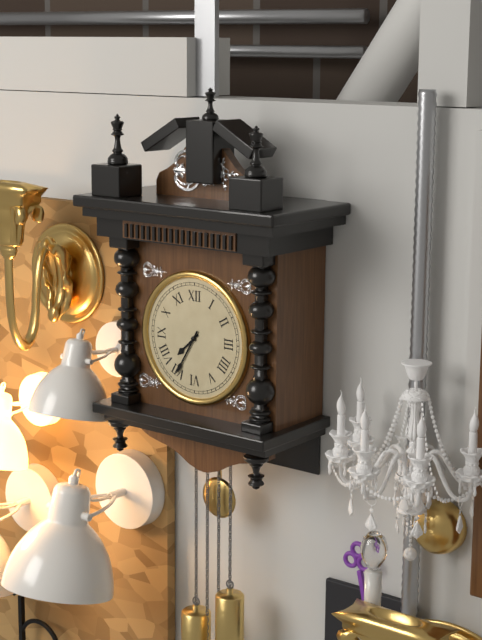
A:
h=7 m=35
